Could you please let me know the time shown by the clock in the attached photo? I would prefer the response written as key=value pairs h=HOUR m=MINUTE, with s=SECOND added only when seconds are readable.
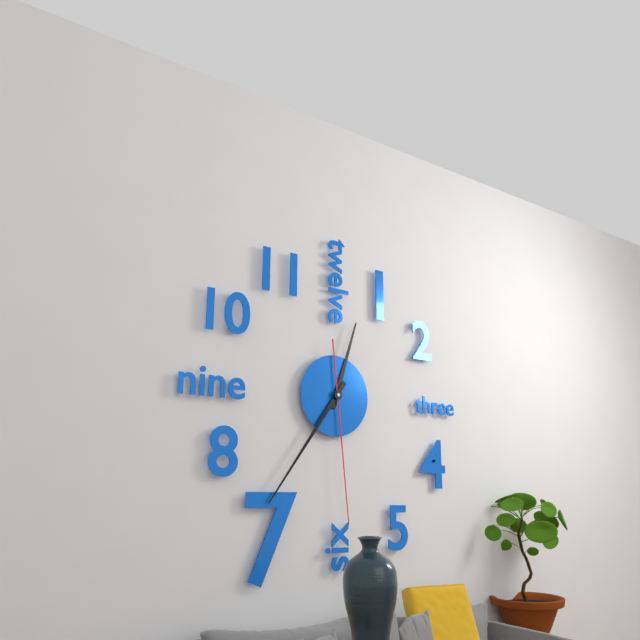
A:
h=12 m=36 s=29
